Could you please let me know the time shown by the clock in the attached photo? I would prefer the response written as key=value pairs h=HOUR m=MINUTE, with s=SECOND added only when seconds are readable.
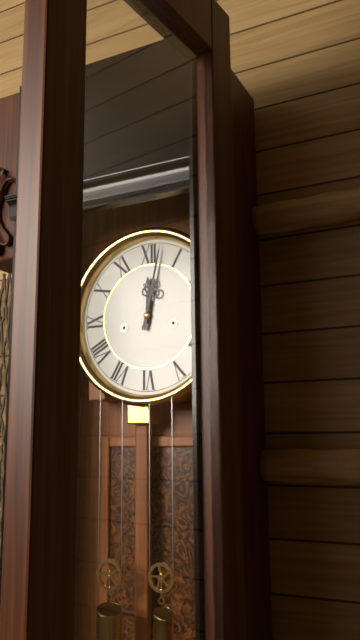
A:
h=12 m=2
